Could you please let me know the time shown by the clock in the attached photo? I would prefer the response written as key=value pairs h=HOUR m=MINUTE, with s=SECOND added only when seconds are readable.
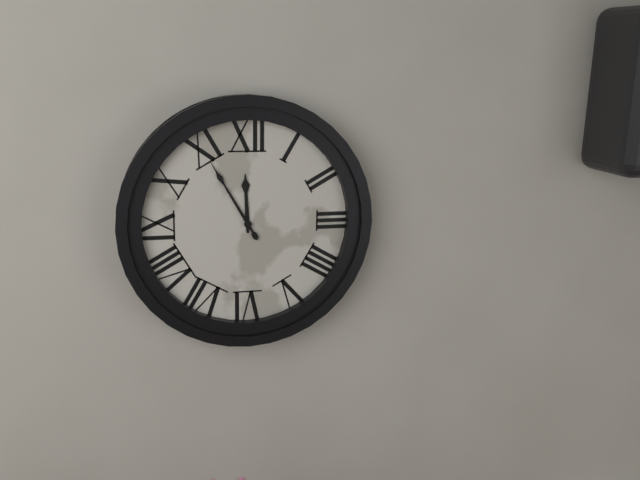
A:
h=11 m=55
